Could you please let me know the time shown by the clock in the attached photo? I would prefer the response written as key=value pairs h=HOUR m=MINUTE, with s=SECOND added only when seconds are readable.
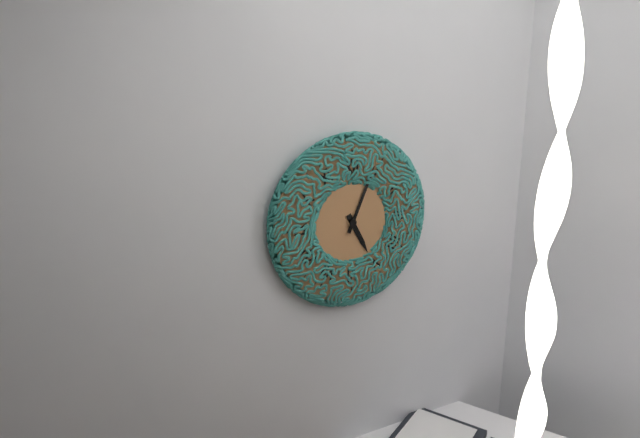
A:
h=5 m=4
